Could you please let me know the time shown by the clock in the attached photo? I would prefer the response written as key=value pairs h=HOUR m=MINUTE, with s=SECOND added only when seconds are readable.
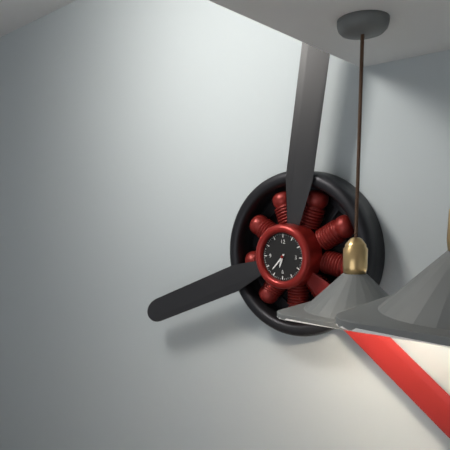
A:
h=6 m=37
